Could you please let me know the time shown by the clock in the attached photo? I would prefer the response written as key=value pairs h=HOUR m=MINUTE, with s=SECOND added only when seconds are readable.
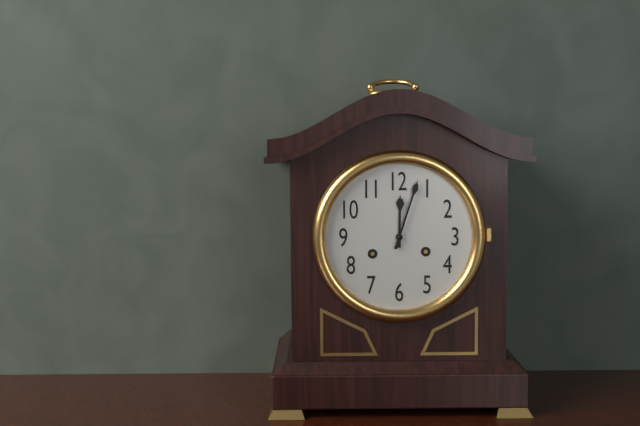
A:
h=12 m=3
